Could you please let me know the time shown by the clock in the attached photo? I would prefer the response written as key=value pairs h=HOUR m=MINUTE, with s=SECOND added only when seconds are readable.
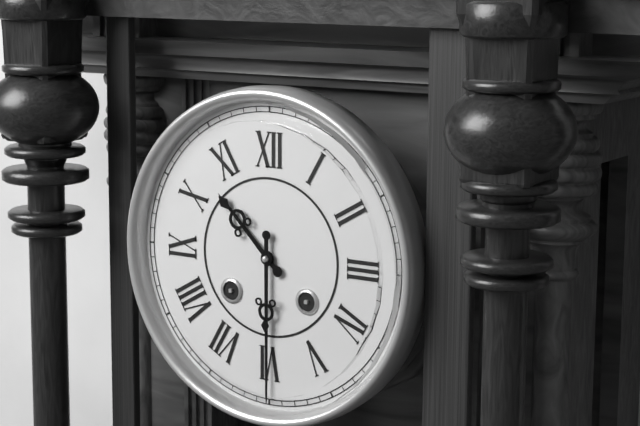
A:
h=10 m=30
